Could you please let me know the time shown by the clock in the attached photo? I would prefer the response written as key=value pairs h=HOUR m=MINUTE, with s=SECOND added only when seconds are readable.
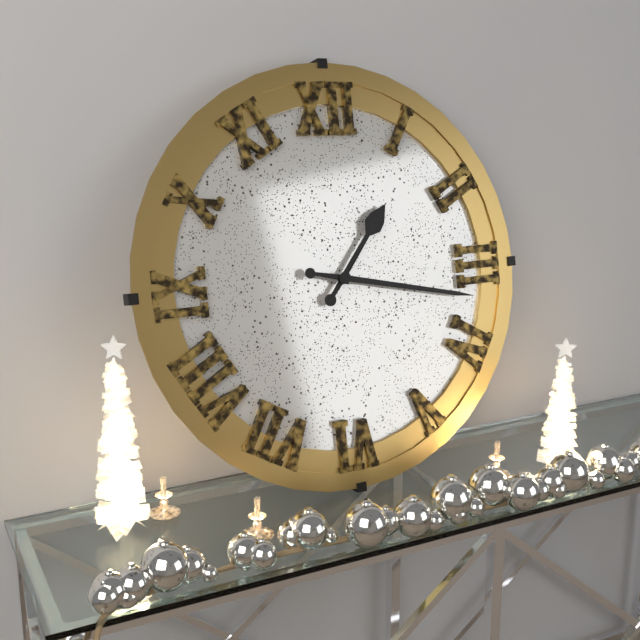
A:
h=1 m=17
